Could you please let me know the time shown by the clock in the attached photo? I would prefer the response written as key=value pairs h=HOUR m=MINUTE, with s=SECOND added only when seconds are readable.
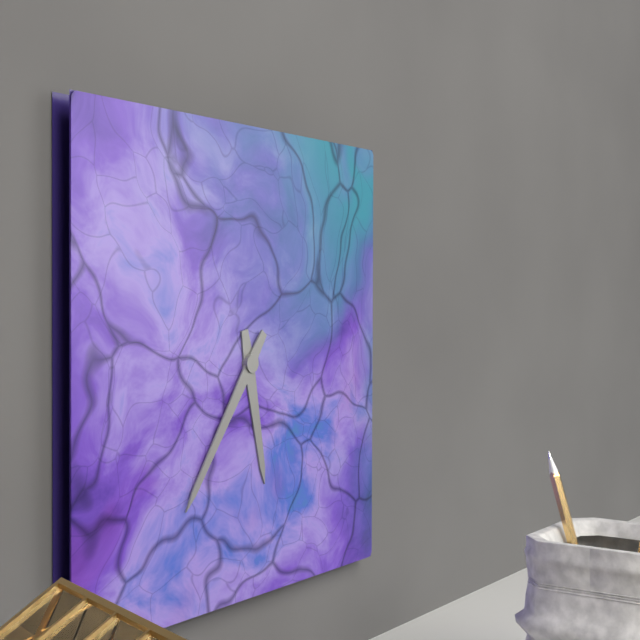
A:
h=5 m=36
